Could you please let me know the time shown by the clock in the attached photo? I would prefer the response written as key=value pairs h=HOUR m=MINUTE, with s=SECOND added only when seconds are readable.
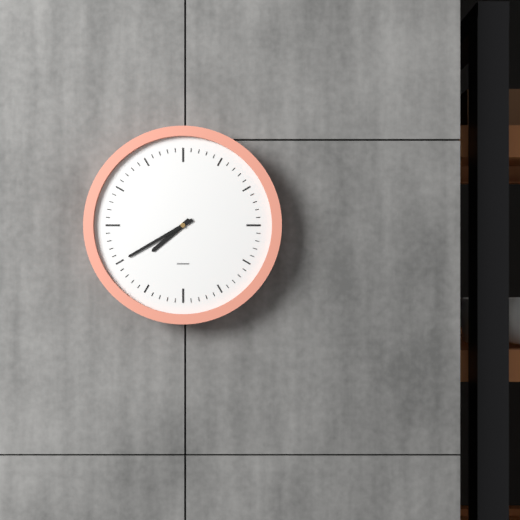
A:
h=7 m=40
